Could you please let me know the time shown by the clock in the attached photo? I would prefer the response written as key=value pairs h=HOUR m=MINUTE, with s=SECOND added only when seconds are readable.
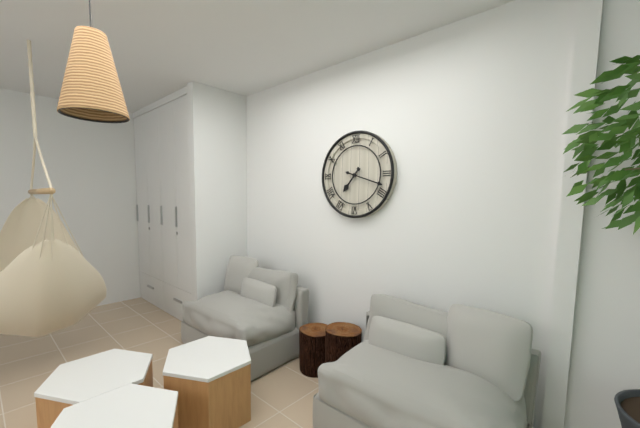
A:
h=7 m=18
